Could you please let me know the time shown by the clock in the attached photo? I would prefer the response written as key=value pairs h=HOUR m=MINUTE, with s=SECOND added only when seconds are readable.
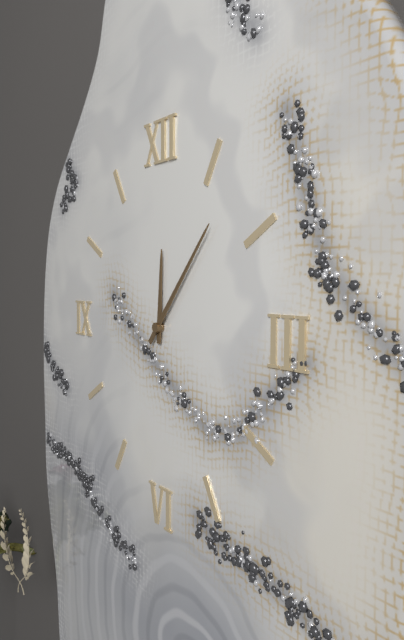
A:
h=12 m=7
